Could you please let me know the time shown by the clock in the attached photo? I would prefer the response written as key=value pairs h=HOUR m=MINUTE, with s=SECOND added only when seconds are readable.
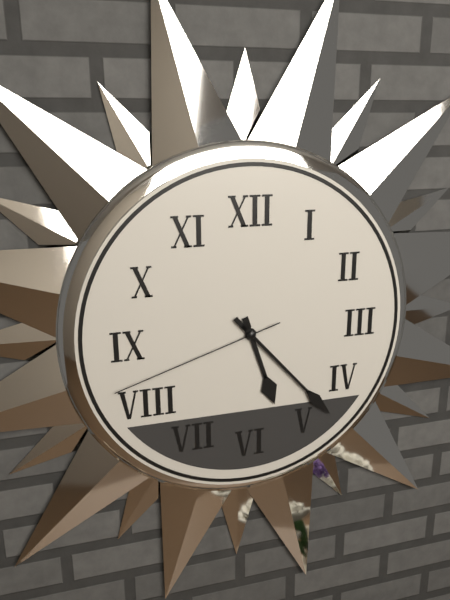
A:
h=5 m=23 s=42
